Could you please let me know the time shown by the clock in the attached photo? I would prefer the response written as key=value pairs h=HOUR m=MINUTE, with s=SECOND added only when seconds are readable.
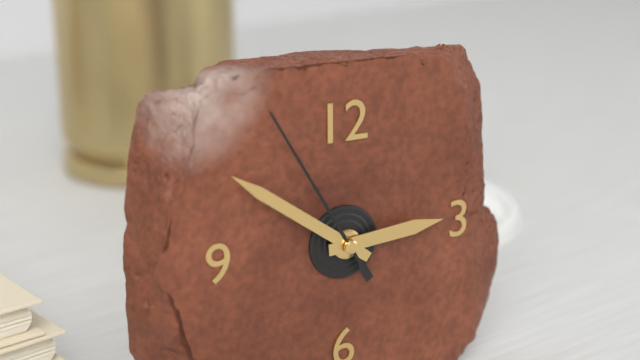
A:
h=2 m=51 s=55
